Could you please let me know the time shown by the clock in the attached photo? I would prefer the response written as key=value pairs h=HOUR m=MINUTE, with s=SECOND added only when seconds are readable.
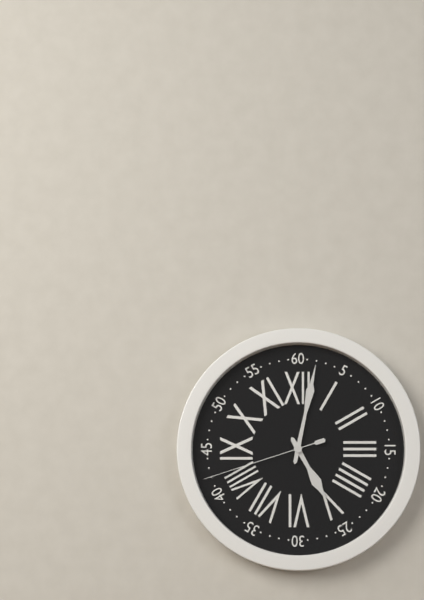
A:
h=5 m=2 s=42
